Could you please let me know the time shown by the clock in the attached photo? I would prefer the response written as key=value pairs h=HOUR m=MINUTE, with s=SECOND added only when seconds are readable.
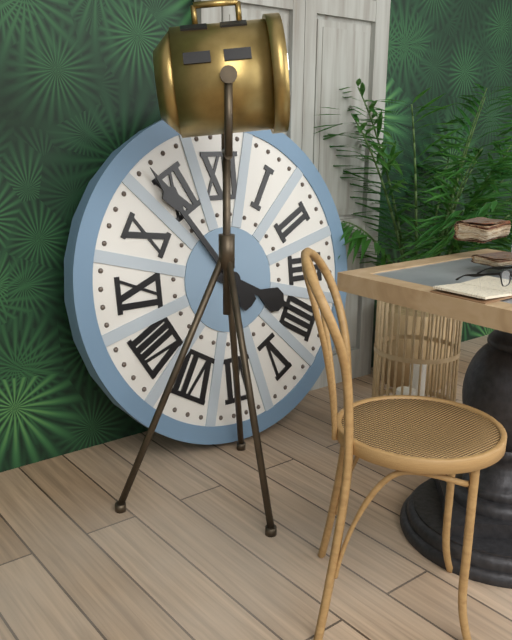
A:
h=3 m=54
